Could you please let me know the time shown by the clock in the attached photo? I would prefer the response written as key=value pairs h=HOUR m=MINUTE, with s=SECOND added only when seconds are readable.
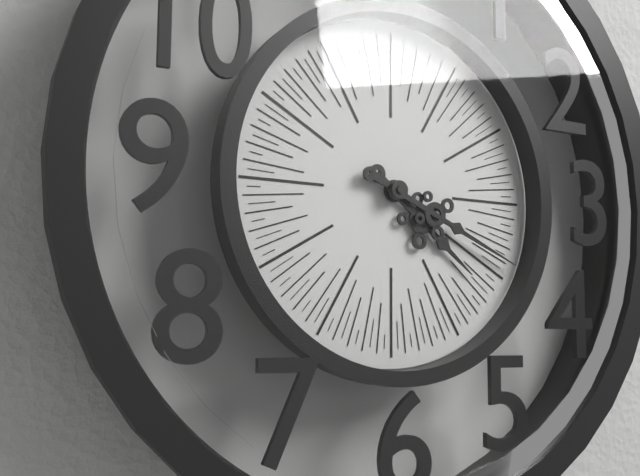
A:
h=4 m=19
